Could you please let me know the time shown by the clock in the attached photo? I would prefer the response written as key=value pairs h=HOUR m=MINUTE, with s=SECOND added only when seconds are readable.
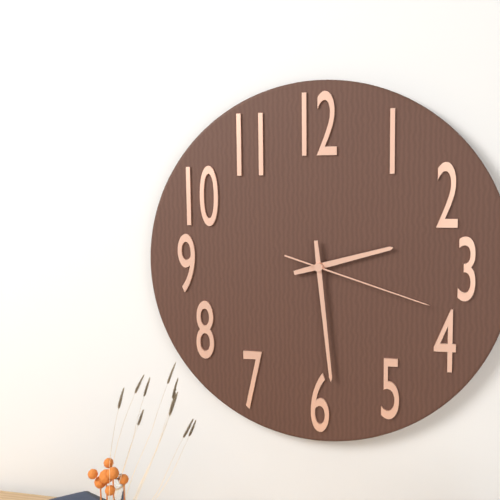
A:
h=2 m=29 s=18
